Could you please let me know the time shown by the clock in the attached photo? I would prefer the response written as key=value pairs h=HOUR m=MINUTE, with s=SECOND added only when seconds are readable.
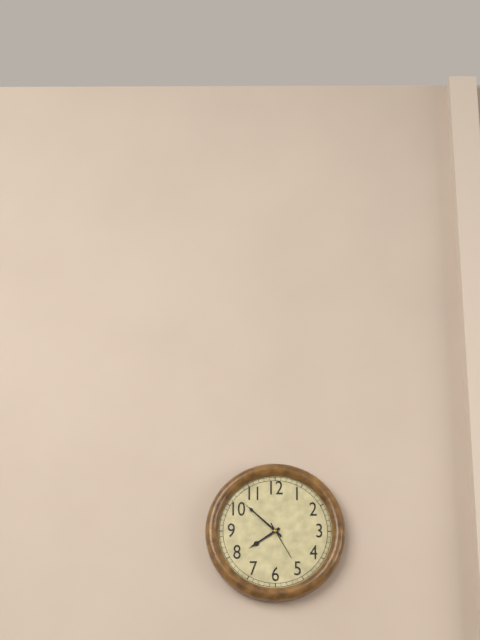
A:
h=7 m=52
